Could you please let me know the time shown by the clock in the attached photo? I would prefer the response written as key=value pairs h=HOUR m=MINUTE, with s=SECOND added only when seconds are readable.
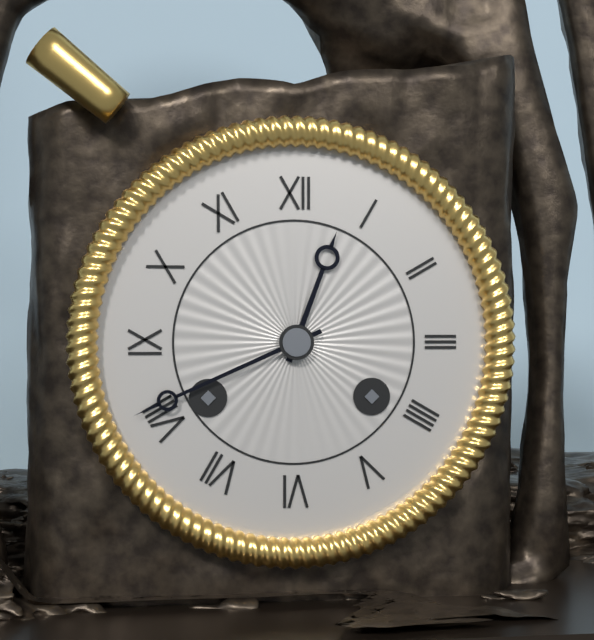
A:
h=12 m=41
